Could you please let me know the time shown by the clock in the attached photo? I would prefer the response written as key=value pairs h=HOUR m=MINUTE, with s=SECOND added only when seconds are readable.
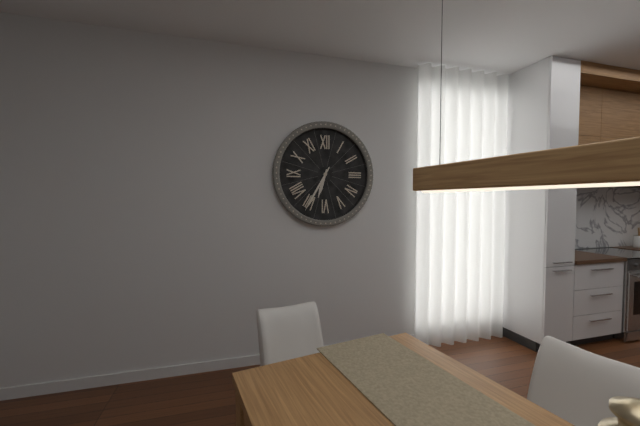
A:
h=6 m=35
